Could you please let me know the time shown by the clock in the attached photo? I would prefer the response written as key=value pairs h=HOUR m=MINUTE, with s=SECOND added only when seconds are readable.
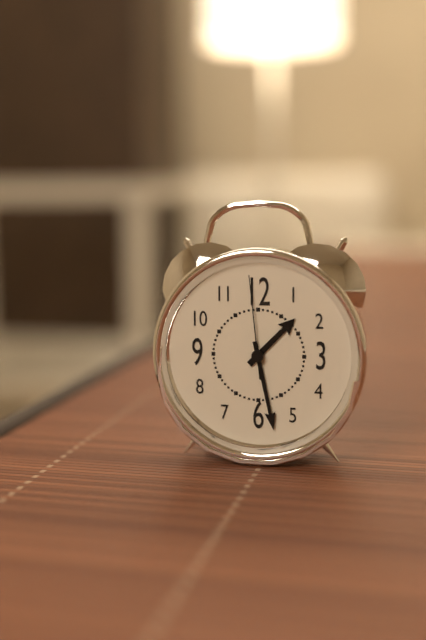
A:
h=1 m=28 s=59
